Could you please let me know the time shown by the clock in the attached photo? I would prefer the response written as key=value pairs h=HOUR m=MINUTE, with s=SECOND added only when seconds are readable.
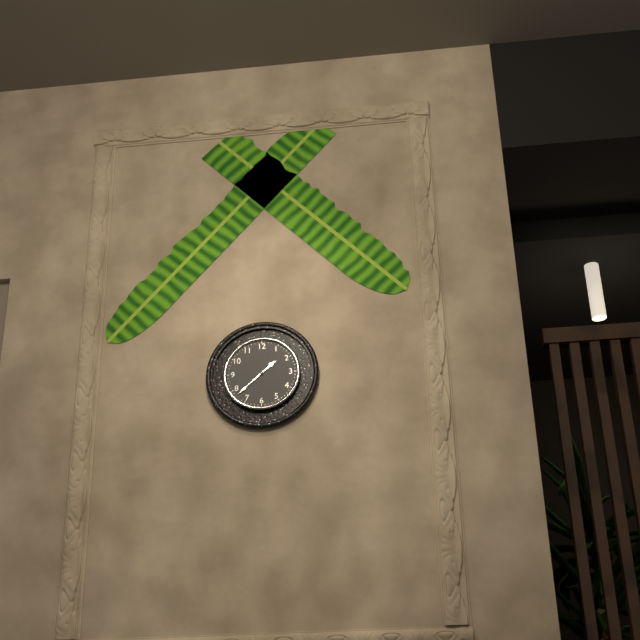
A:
h=1 m=38
